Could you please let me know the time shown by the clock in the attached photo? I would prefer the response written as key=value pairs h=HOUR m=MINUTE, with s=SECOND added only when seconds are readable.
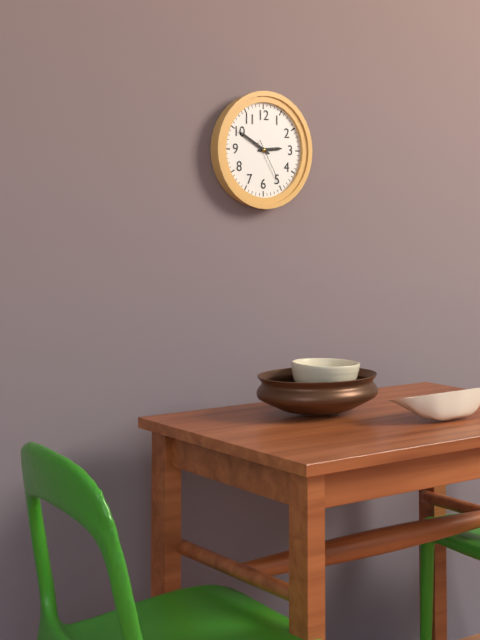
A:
h=2 m=50
